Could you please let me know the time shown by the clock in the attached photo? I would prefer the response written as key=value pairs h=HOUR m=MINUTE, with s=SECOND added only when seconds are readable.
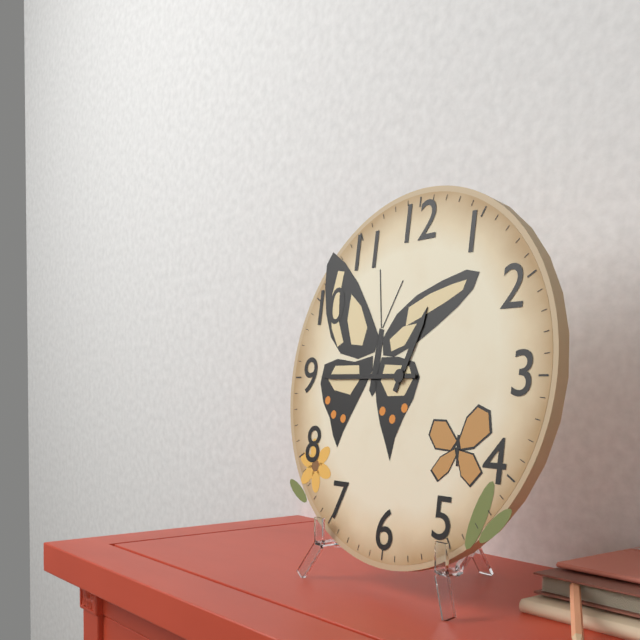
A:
h=12 m=45
